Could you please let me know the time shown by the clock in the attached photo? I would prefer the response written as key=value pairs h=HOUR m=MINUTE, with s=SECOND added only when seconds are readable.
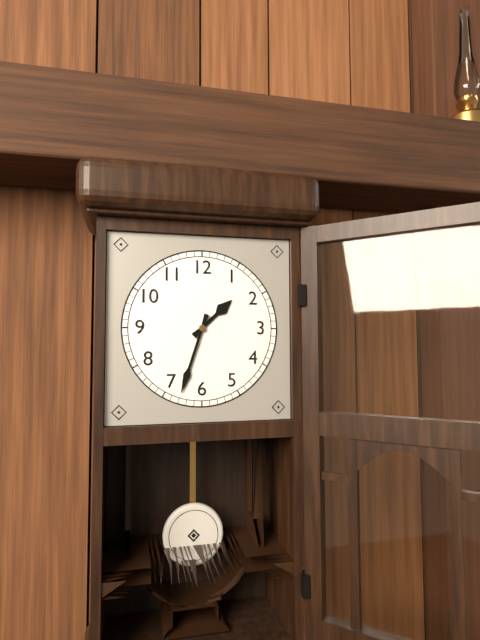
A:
h=1 m=33
